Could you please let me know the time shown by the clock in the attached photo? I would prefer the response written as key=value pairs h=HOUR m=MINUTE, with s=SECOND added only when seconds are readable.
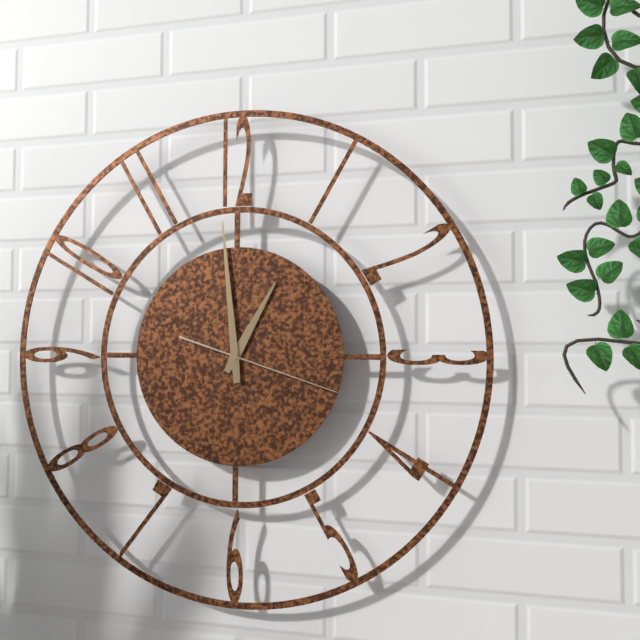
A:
h=12 m=59 s=18
